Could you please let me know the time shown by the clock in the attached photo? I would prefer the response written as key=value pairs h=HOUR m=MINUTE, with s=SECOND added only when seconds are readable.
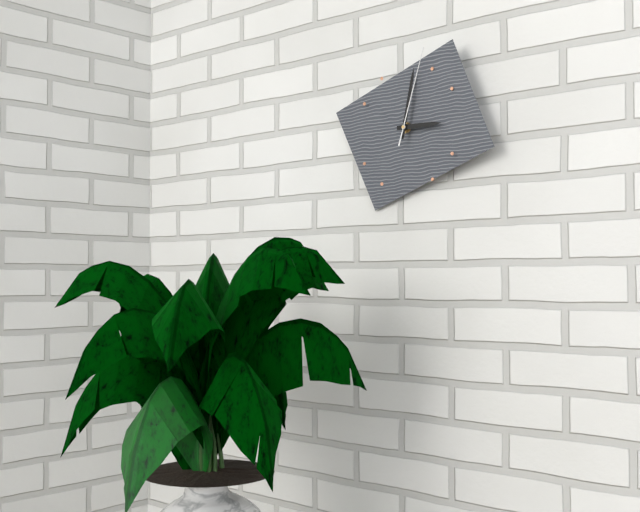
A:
h=3 m=2 s=3
